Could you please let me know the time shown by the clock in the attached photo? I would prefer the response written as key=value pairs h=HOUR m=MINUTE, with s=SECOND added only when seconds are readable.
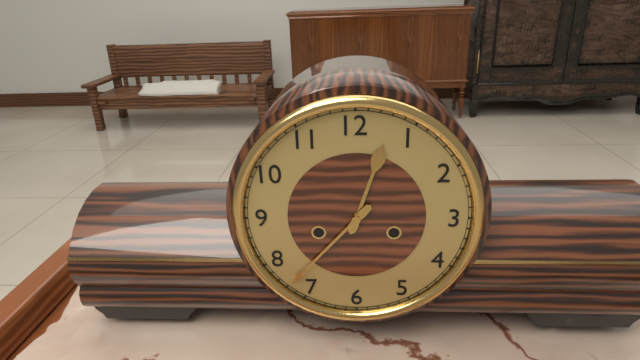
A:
h=12 m=37
